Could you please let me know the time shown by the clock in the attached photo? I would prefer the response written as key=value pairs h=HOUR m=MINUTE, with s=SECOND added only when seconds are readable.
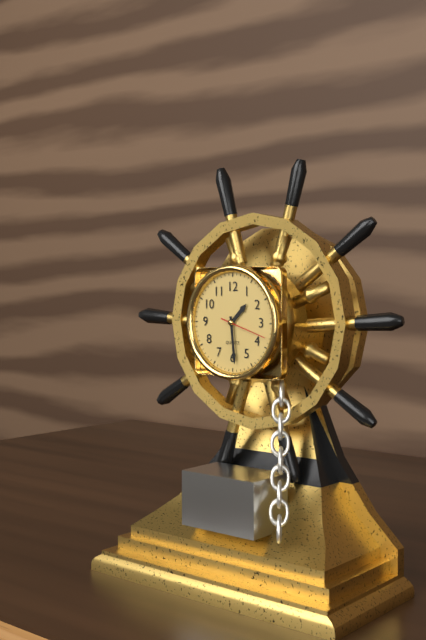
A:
h=1 m=29
